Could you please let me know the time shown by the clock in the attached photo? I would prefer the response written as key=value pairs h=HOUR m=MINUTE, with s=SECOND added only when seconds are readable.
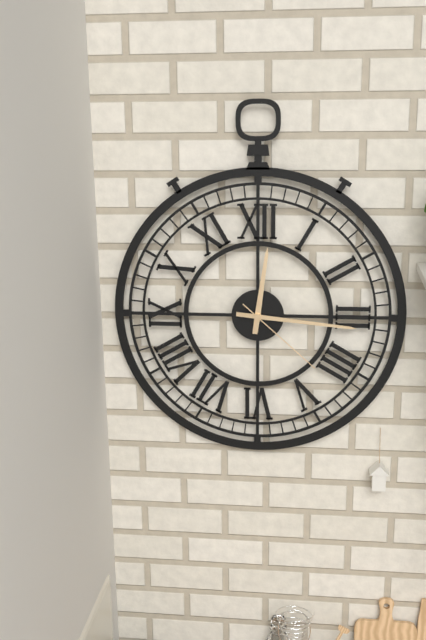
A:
h=12 m=16 s=22
